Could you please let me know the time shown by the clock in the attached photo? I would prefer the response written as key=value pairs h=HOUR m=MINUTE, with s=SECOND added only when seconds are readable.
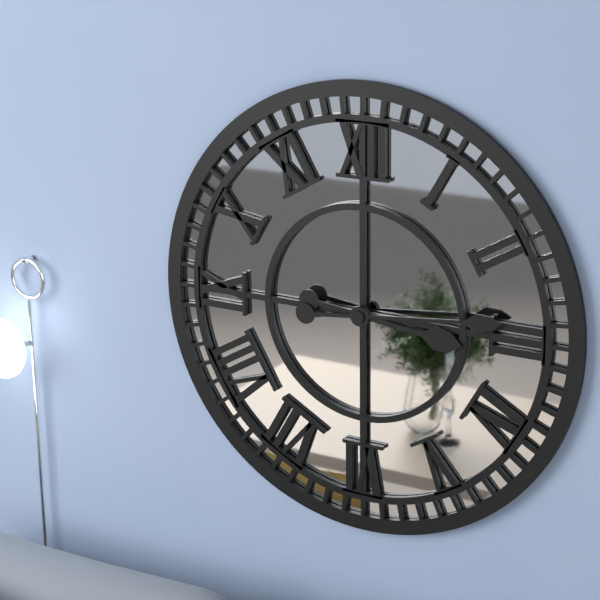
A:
h=3 m=14
